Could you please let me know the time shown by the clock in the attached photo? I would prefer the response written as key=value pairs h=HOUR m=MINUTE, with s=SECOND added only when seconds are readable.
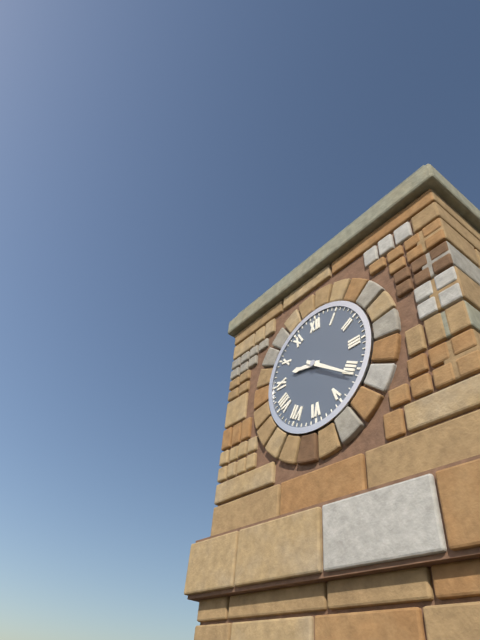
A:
h=9 m=21
